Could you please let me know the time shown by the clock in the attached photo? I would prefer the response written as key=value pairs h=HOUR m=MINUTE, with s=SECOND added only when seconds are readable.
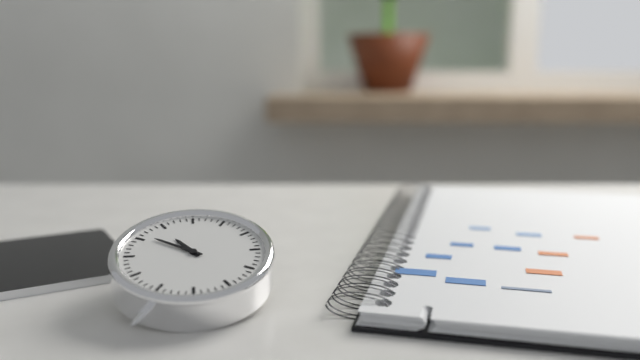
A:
h=10 m=51
